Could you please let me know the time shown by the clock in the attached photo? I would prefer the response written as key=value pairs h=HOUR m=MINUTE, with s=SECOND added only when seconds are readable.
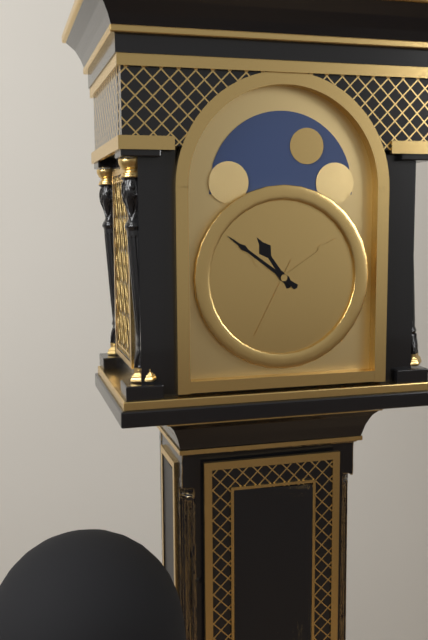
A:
h=10 m=51
